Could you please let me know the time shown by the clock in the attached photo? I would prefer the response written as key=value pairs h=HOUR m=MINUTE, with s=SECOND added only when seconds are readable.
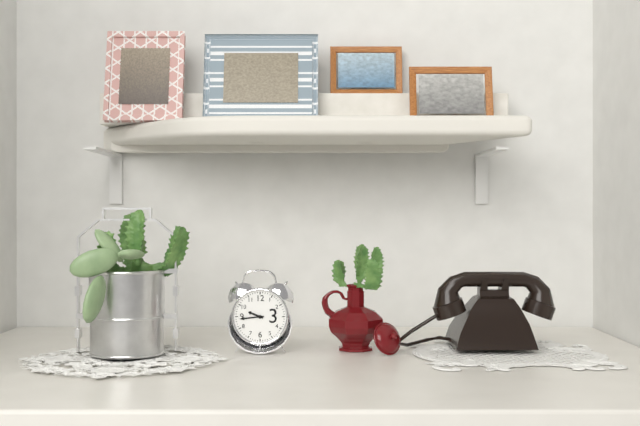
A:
h=9 m=44
